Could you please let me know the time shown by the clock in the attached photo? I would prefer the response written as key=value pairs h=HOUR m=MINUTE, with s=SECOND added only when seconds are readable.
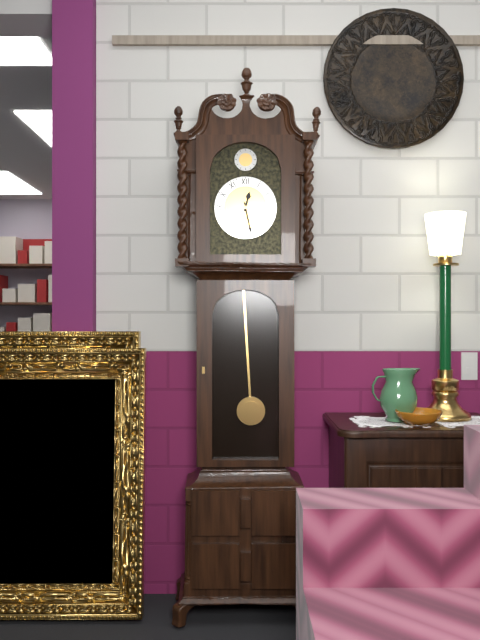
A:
h=12 m=28
